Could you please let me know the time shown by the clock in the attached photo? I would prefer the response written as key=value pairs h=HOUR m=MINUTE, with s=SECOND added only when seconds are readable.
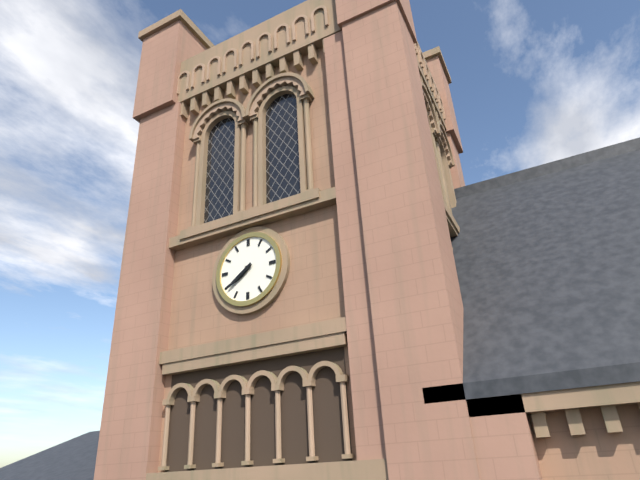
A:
h=7 m=39
